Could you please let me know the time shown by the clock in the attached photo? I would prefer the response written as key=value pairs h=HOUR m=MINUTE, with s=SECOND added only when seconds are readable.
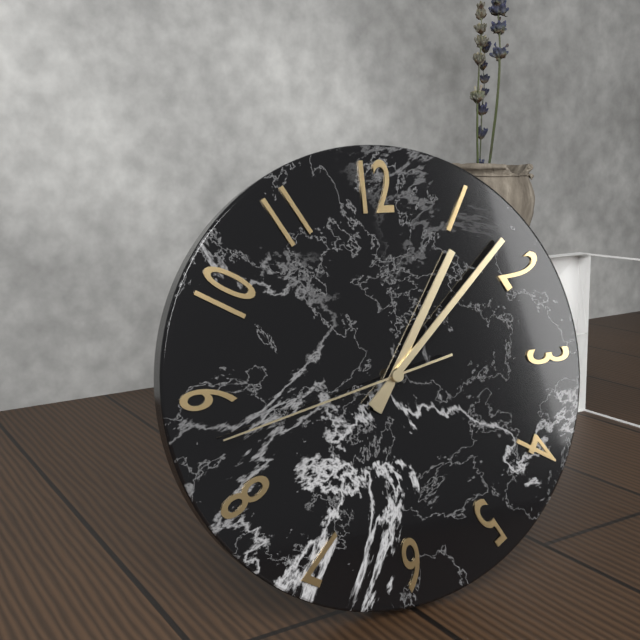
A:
h=1 m=8 s=43
